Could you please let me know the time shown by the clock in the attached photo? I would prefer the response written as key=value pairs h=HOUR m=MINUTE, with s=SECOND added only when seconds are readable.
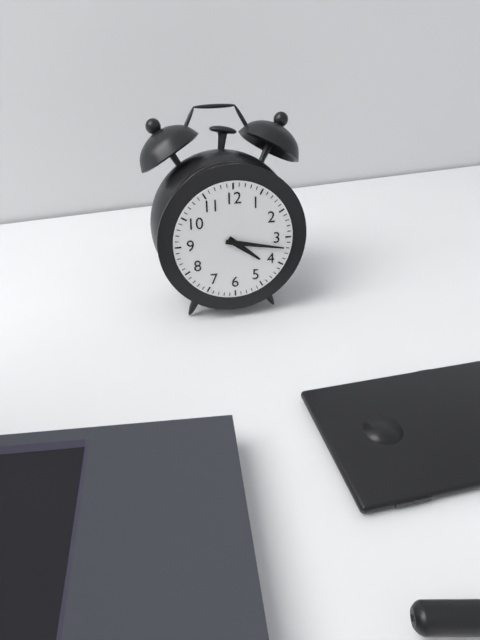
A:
h=4 m=17
